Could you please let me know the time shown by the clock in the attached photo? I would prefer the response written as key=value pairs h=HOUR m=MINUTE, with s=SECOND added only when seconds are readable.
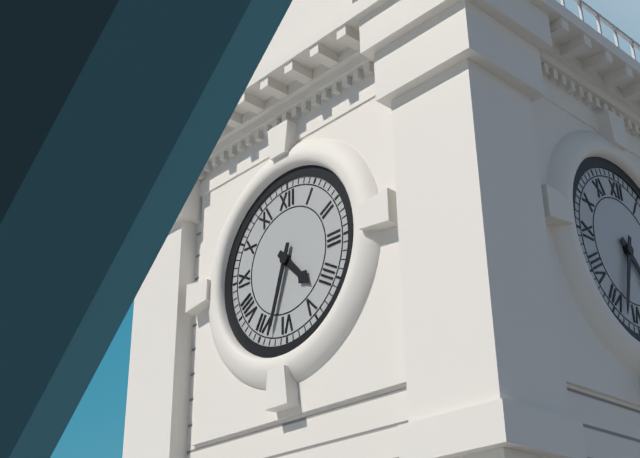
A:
h=4 m=33
